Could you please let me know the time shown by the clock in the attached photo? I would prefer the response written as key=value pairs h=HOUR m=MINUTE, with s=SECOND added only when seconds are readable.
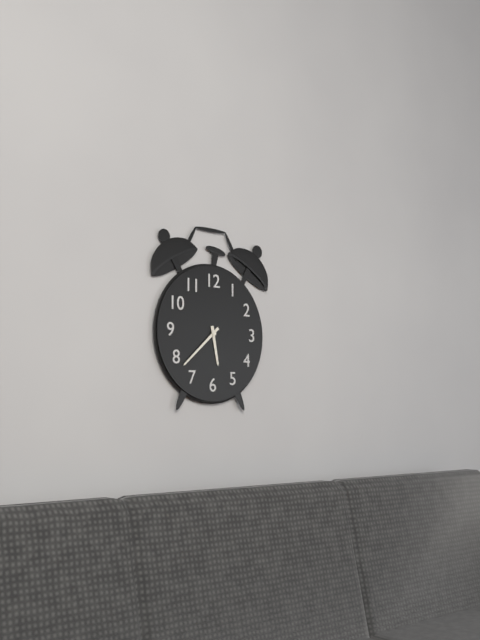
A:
h=5 m=38
